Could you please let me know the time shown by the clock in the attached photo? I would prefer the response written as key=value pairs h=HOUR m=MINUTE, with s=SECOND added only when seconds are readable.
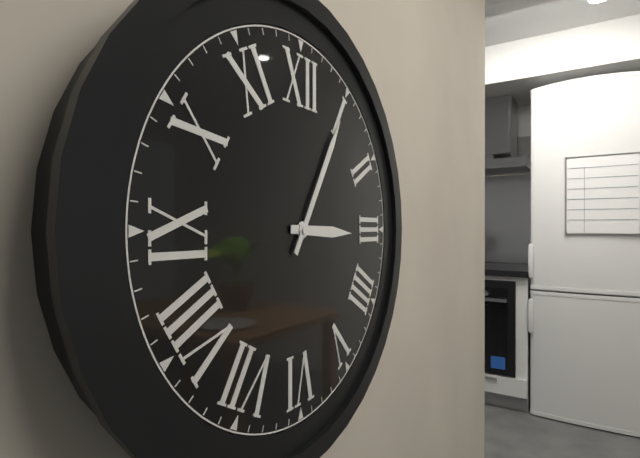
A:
h=3 m=5
